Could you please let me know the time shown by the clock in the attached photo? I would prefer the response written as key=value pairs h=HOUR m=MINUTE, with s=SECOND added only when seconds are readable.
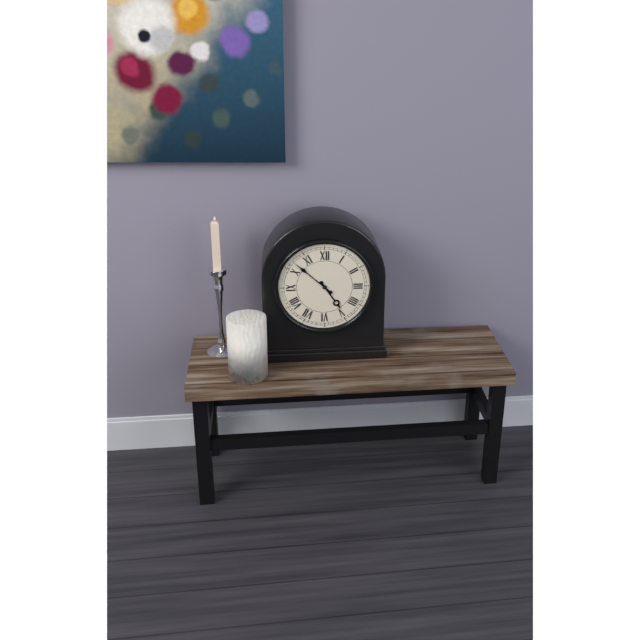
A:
h=4 m=52
